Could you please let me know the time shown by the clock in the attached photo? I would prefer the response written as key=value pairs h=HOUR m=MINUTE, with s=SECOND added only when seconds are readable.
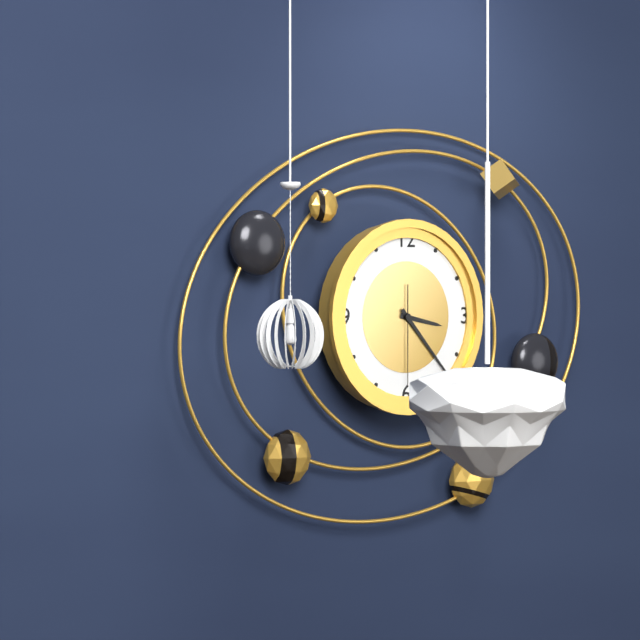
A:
h=3 m=23 s=30
